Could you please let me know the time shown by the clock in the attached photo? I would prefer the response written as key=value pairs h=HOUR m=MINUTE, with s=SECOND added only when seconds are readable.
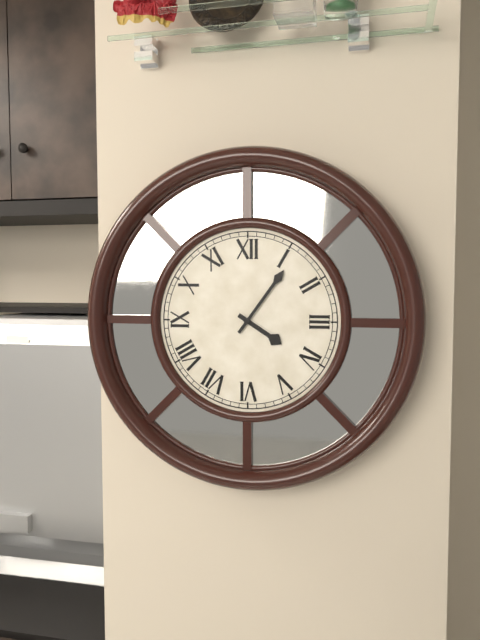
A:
h=4 m=6
